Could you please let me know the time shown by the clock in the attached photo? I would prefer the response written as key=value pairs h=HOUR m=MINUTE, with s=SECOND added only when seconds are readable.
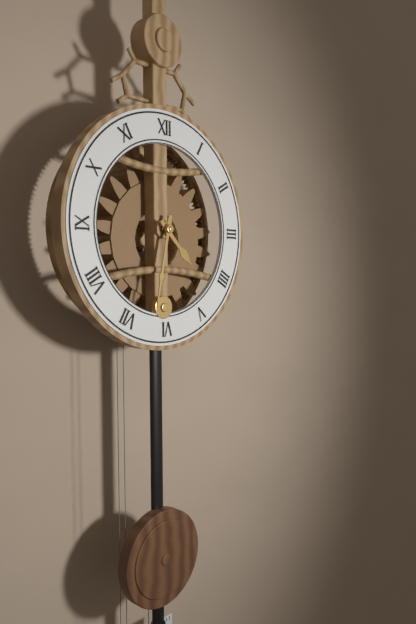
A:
h=4 m=32
